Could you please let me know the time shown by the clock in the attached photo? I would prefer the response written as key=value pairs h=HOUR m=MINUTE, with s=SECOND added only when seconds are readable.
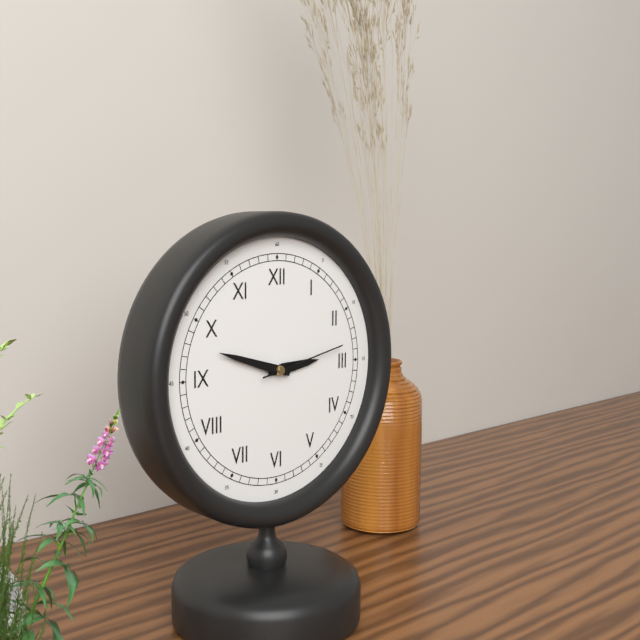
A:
h=2 m=48 s=13
